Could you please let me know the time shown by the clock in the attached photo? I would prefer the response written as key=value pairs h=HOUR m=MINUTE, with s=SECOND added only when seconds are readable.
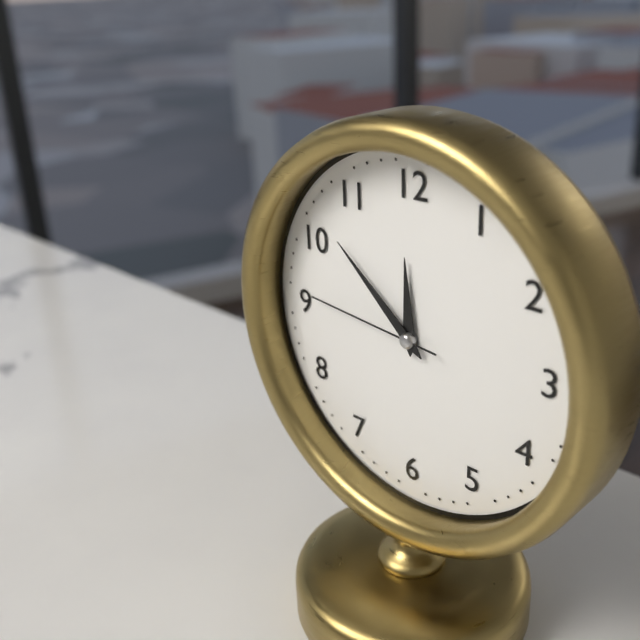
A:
h=11 m=52 s=46
